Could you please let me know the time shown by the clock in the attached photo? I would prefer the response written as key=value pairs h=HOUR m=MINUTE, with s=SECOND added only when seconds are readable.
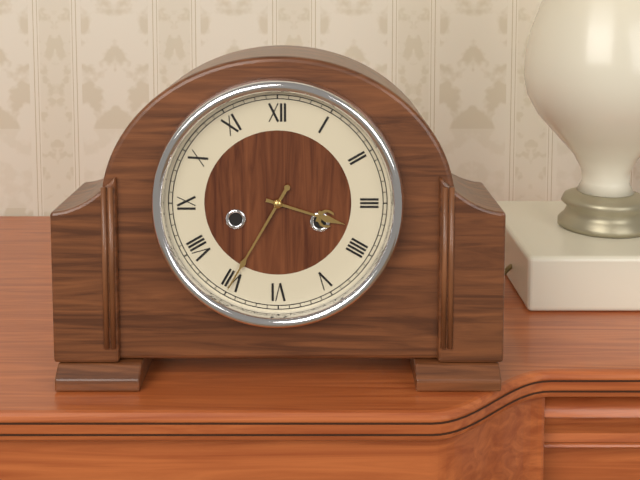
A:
h=3 m=35
